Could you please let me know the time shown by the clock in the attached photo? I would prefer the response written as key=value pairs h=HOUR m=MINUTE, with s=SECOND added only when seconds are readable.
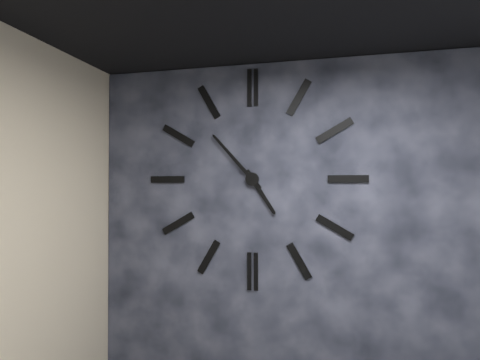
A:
h=4 m=53
